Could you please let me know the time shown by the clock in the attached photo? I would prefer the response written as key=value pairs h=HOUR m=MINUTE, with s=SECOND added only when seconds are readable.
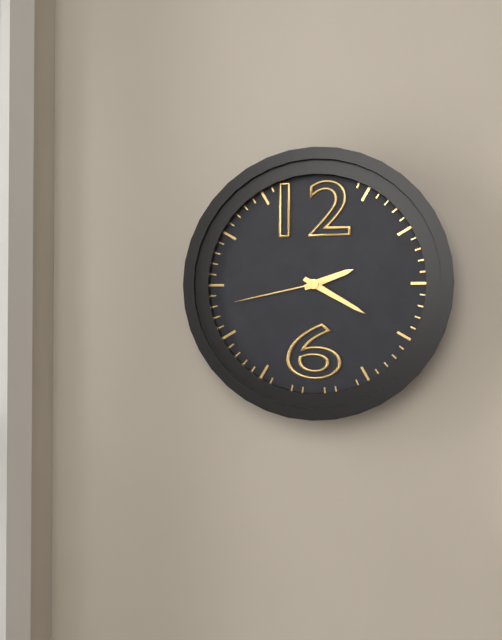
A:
h=2 m=20 s=43
